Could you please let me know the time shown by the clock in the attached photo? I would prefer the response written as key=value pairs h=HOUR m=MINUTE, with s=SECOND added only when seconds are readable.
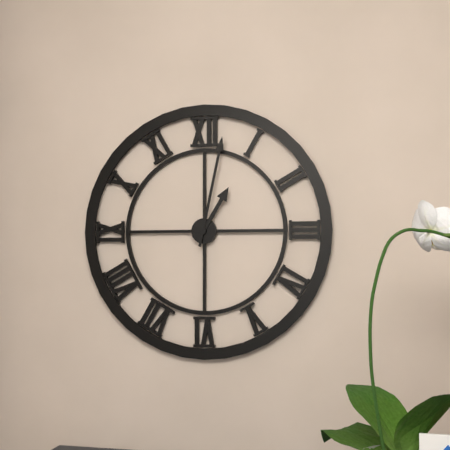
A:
h=1 m=2
